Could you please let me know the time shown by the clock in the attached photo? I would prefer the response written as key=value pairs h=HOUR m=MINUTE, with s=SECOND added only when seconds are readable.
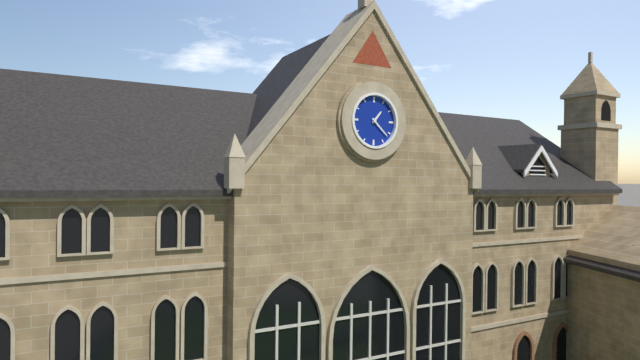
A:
h=1 m=22
